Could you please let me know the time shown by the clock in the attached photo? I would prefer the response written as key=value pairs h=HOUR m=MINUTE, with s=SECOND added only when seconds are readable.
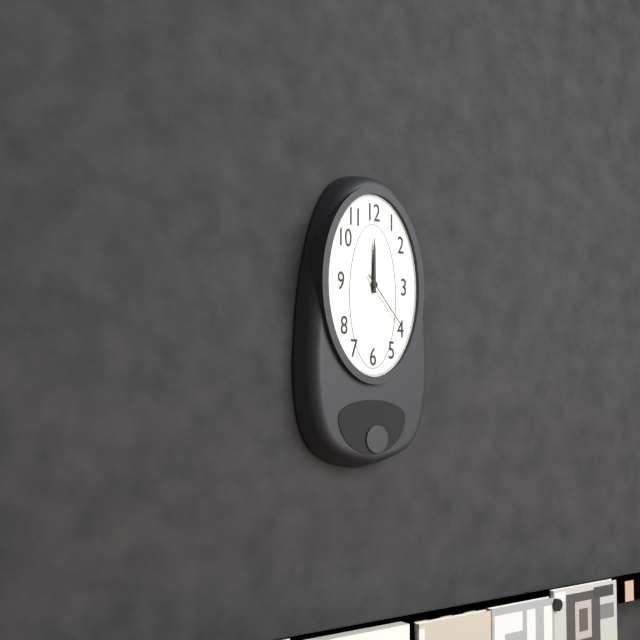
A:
h=12 m=0 s=23
